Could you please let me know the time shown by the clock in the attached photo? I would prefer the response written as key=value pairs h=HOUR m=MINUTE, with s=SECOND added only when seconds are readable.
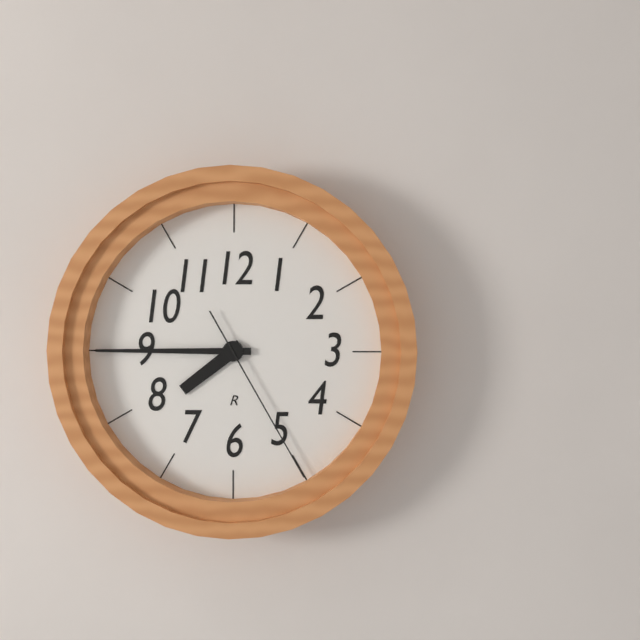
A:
h=7 m=45 s=25
